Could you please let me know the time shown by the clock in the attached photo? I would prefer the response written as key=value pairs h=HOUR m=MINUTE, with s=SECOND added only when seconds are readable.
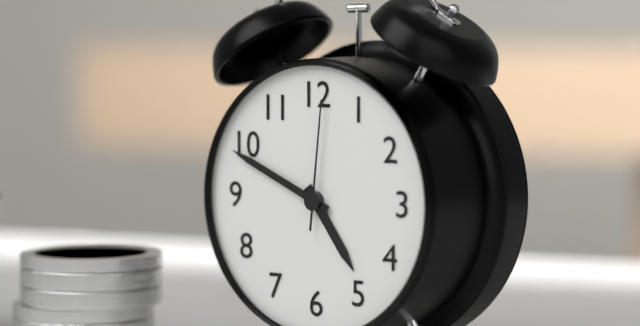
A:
h=4 m=49 s=1
